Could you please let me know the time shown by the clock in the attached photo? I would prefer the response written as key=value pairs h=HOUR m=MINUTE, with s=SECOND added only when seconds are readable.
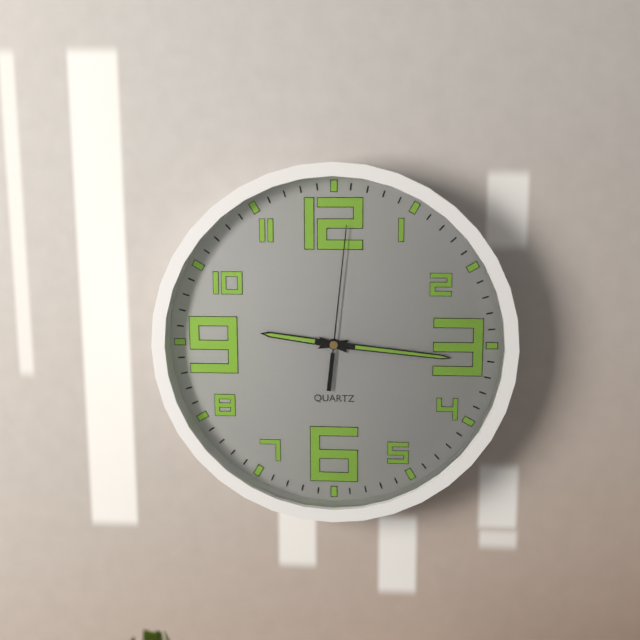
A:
h=9 m=16 s=1
